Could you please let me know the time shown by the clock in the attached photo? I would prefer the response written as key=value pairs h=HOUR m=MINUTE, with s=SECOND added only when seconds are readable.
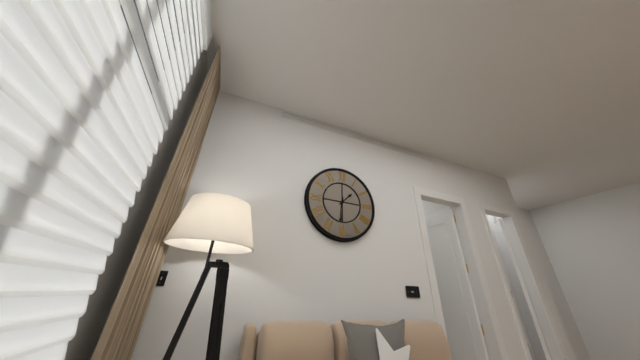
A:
h=1 m=31
